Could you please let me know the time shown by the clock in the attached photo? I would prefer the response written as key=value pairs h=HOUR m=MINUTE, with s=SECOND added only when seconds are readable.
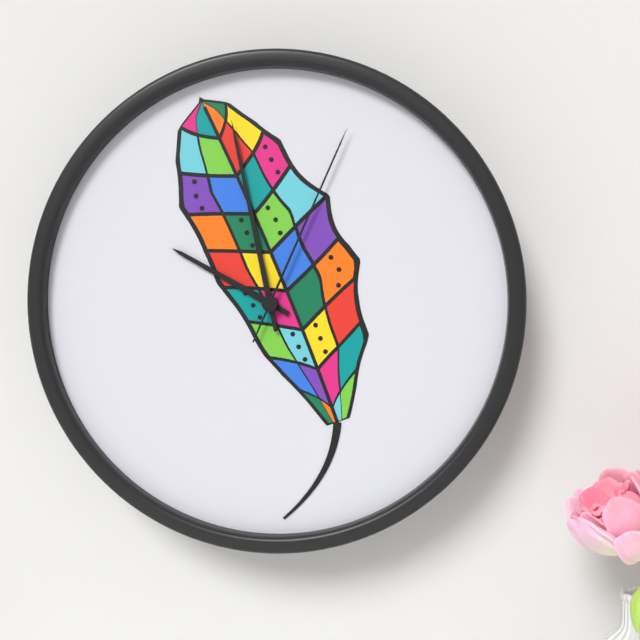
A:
h=9 m=58 s=4
